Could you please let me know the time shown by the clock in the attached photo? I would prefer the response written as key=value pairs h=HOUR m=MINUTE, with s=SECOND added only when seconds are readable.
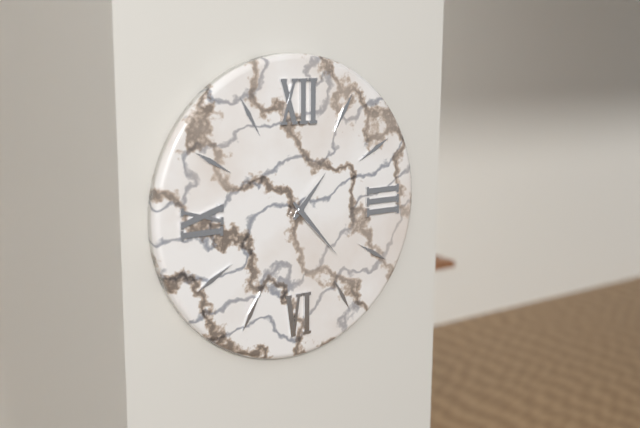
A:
h=1 m=23
